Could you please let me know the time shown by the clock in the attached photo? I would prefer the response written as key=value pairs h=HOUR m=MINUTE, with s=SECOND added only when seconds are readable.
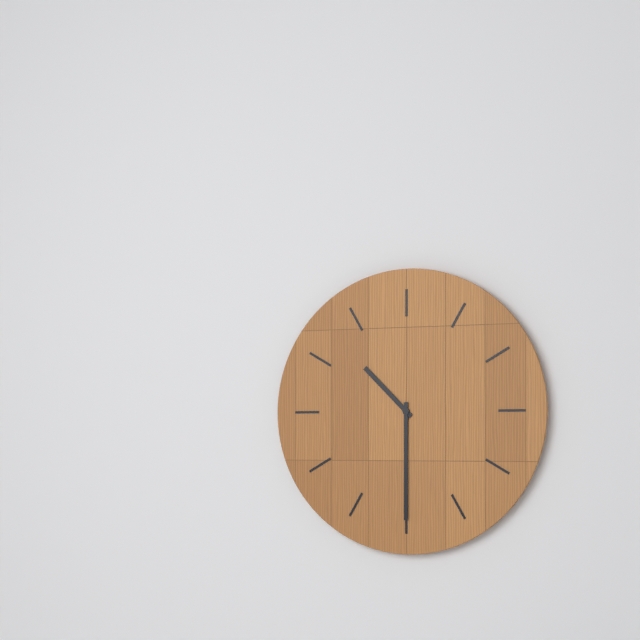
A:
h=10 m=30
